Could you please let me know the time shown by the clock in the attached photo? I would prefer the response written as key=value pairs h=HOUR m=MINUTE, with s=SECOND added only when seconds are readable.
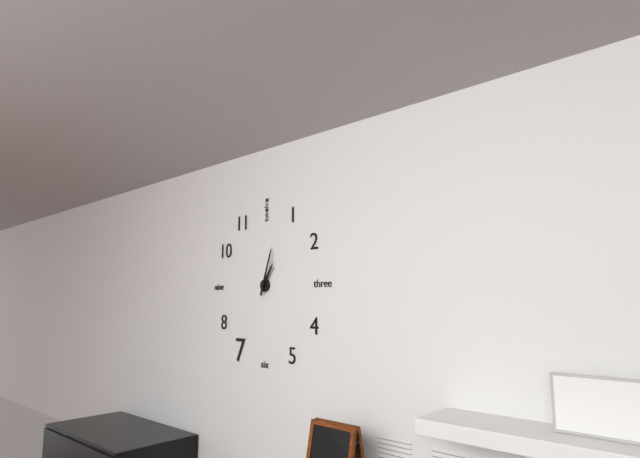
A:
h=1 m=3
